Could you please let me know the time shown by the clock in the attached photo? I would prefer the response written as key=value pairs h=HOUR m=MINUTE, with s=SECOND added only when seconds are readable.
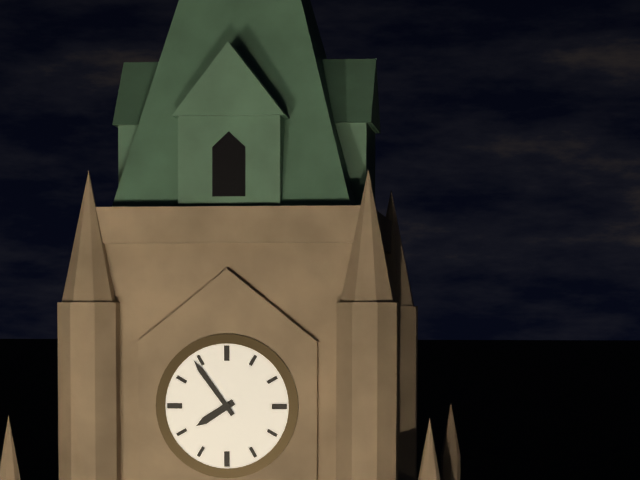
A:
h=7 m=54
